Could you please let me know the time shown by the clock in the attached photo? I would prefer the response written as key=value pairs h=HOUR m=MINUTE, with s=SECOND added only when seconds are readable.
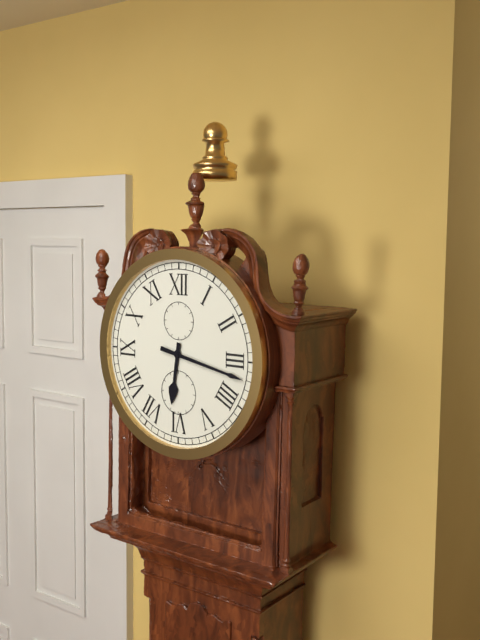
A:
h=6 m=17
